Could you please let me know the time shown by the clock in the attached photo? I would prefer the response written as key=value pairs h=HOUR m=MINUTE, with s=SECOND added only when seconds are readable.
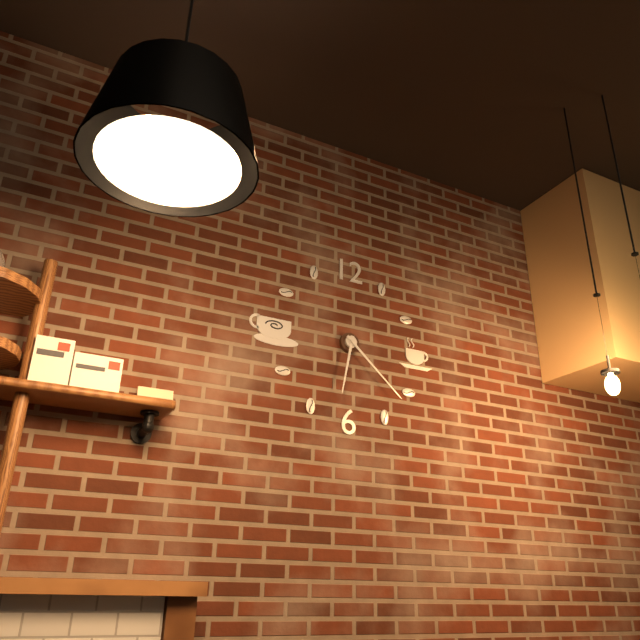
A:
h=6 m=22
